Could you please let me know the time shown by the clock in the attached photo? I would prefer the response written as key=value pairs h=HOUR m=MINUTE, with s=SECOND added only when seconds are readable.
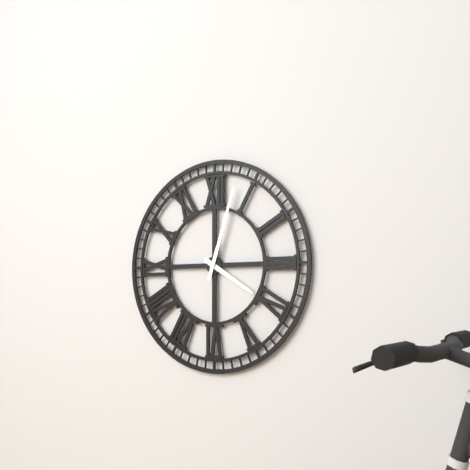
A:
h=4 m=3
